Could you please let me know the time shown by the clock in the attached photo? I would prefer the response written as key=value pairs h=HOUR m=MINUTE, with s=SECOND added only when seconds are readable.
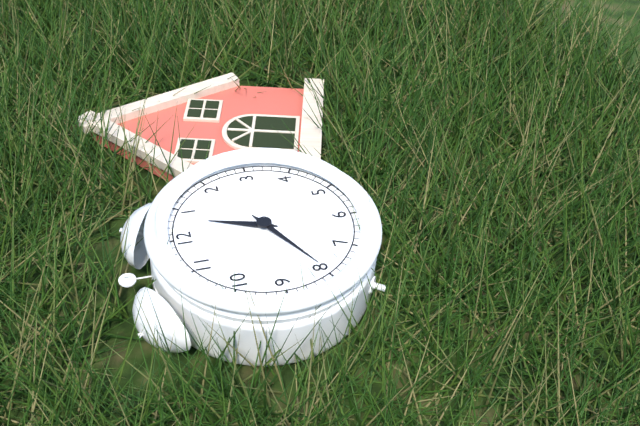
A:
h=12 m=40
